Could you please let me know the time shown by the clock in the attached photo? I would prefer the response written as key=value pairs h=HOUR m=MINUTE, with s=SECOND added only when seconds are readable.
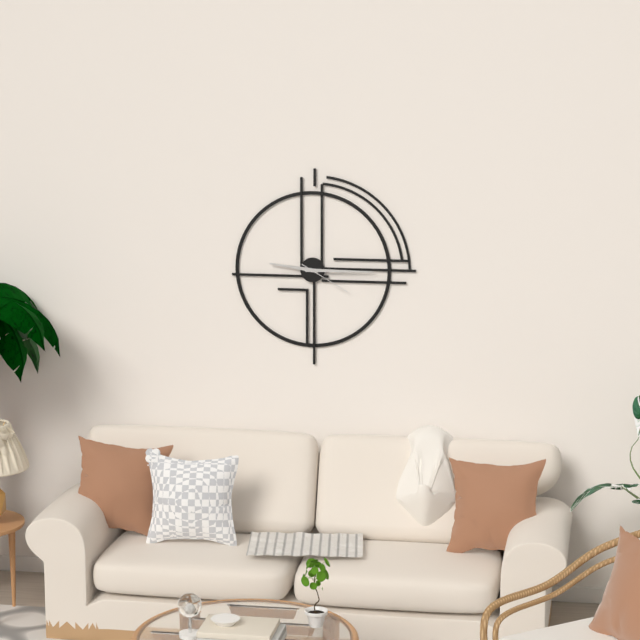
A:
h=9 m=15 s=20
